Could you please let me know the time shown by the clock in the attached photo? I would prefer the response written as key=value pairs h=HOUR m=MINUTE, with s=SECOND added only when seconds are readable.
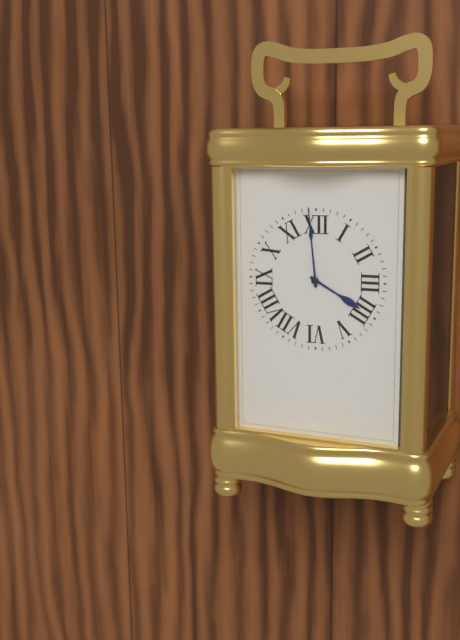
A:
h=3 m=59
